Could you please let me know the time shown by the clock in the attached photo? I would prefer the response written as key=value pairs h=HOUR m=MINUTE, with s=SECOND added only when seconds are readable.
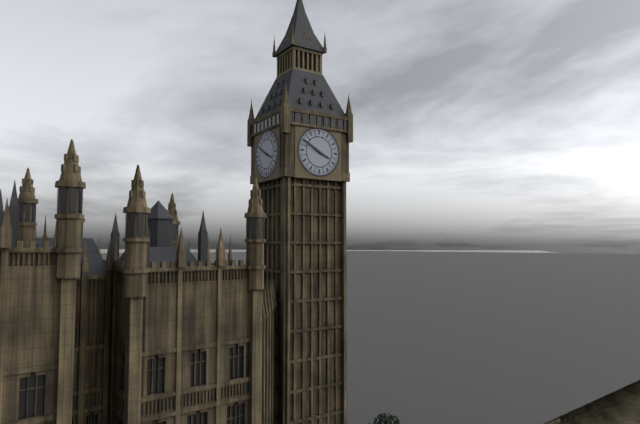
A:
h=3 m=50
